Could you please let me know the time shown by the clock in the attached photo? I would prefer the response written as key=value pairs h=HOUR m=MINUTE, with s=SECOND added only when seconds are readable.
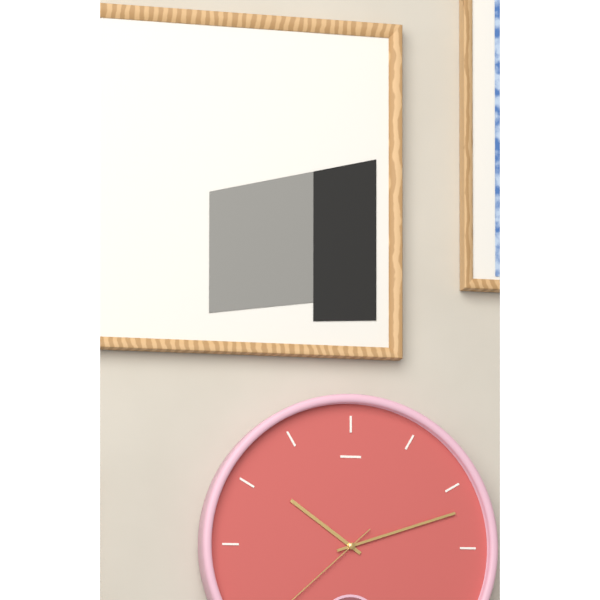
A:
h=10 m=12
